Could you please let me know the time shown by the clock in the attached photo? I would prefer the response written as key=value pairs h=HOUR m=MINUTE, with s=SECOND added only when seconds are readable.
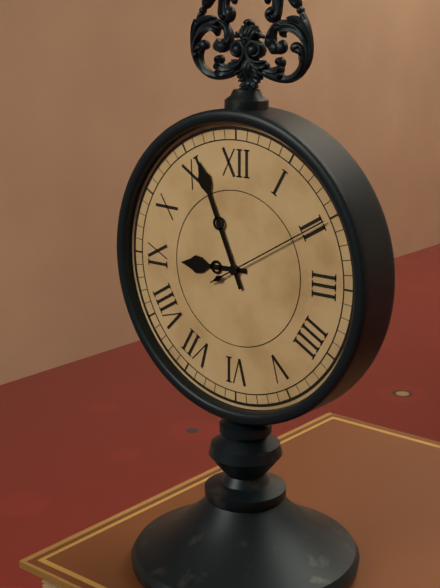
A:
h=8 m=56 s=10
